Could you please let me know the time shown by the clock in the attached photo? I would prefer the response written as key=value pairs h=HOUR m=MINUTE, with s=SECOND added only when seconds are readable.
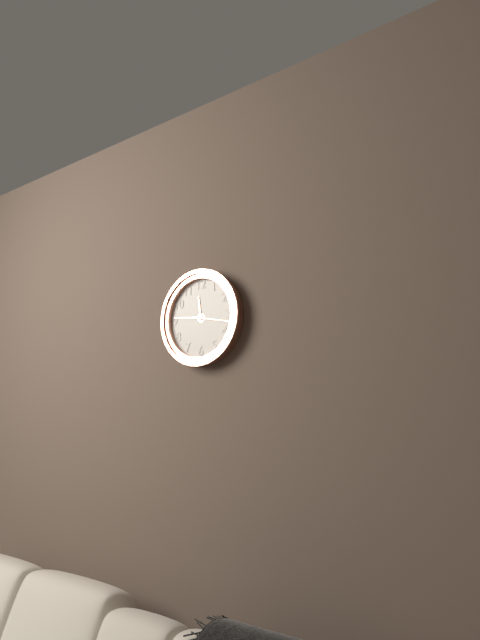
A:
h=11 m=46
